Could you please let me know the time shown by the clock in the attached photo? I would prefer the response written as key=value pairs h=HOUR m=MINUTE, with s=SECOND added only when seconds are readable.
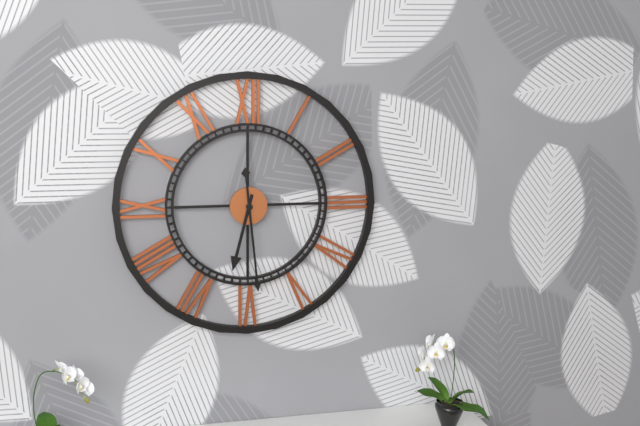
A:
h=6 m=29
